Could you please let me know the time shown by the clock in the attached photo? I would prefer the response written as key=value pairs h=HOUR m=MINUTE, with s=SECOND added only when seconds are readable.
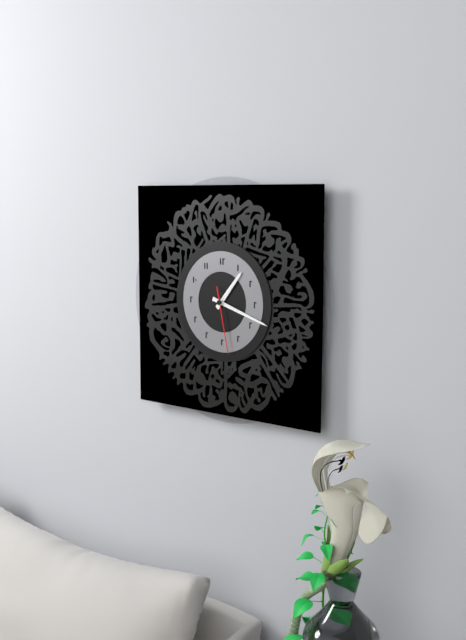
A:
h=1 m=18 s=28
